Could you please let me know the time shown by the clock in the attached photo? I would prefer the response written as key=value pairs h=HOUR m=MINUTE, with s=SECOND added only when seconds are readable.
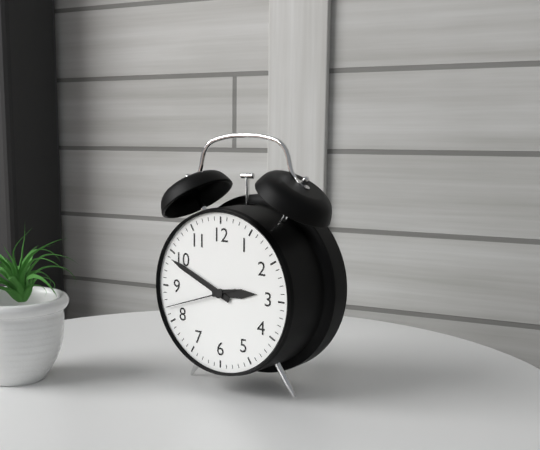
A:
h=2 m=49 s=42
